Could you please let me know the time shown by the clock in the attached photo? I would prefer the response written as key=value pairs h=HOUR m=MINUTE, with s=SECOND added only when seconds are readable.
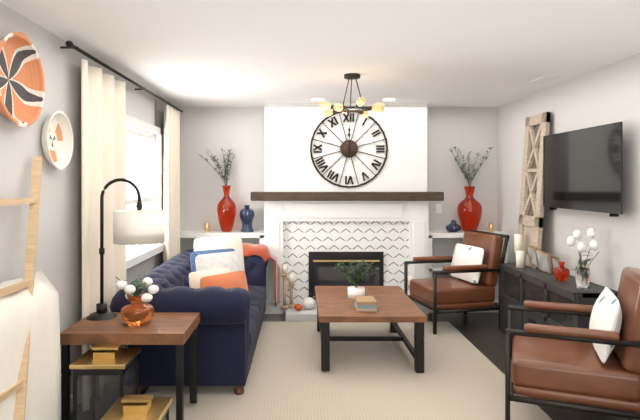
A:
h=12 m=0
